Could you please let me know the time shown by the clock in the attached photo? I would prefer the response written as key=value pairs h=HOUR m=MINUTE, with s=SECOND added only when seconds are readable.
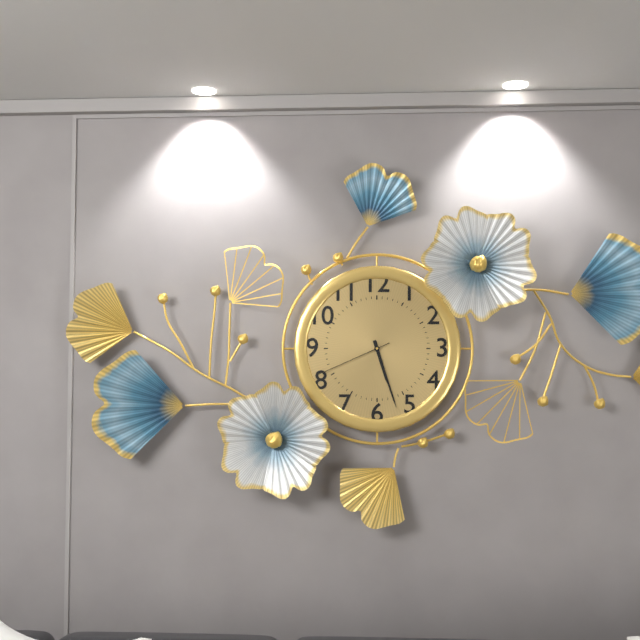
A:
h=5 m=27 s=41
